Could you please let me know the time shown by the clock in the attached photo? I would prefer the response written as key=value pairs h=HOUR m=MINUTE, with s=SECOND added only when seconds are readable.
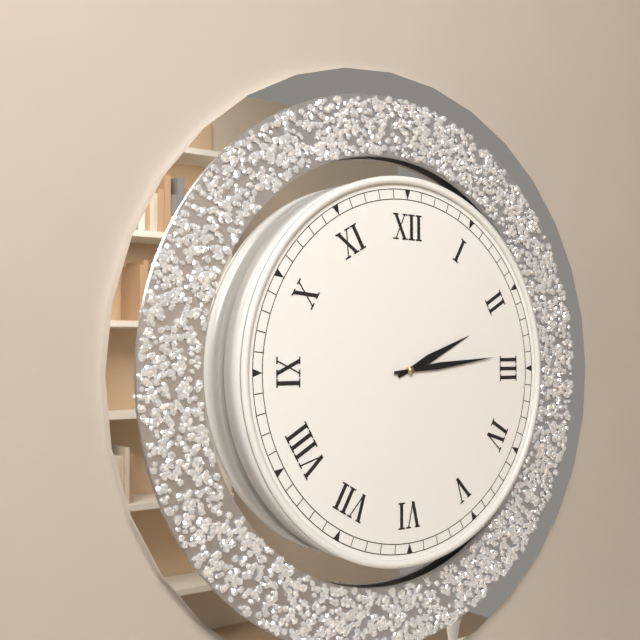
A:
h=2 m=14
